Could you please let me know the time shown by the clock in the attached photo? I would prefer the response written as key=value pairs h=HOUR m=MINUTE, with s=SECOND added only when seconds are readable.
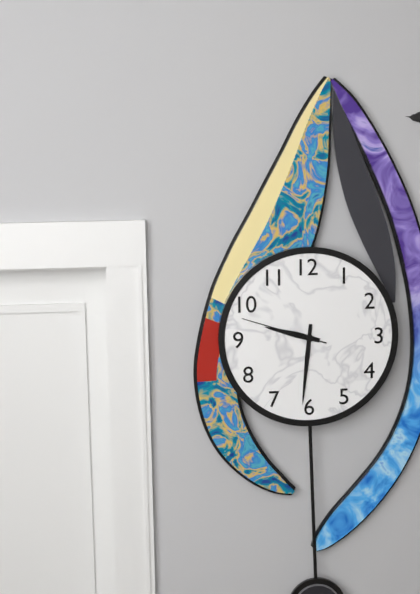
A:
h=9 m=31 s=48
